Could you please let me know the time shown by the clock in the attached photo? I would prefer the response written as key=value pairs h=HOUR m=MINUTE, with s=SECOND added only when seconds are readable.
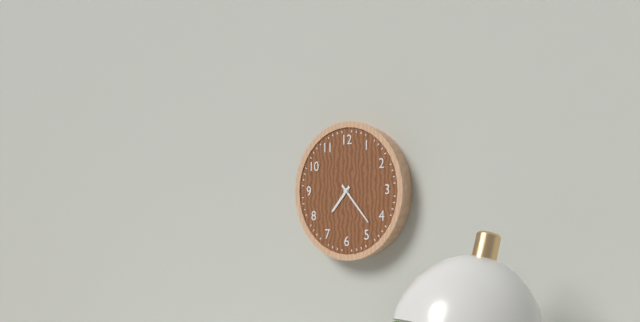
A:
h=7 m=23
